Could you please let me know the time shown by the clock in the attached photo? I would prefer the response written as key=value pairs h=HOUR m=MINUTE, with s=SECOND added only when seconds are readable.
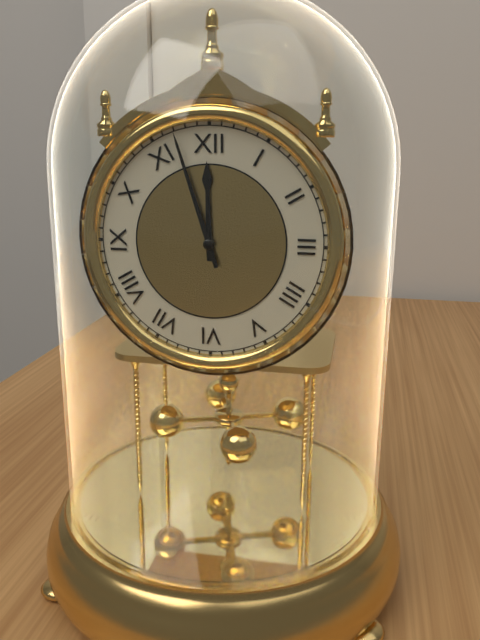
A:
h=11 m=57
